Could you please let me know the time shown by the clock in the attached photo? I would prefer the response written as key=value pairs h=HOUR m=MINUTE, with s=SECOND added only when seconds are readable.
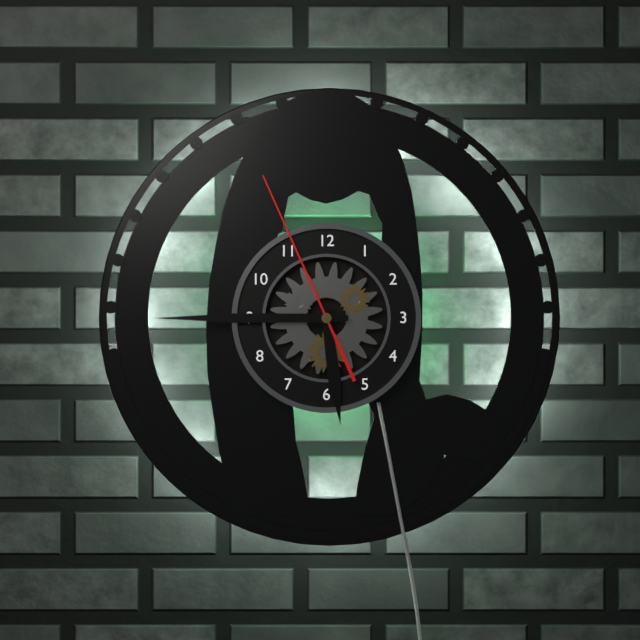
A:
h=5 m=45 s=56
